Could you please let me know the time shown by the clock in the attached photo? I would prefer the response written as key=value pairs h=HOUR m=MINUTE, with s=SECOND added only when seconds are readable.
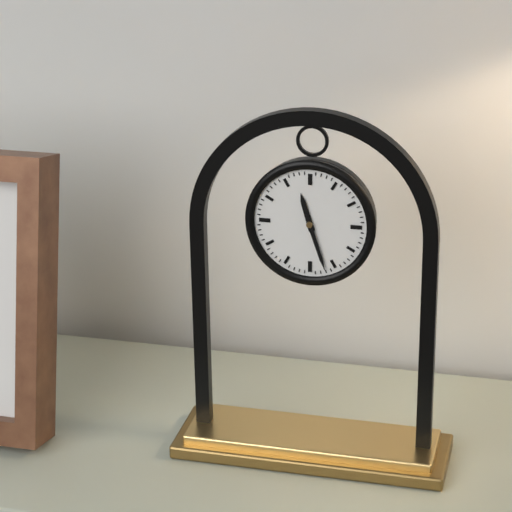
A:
h=11 m=27
